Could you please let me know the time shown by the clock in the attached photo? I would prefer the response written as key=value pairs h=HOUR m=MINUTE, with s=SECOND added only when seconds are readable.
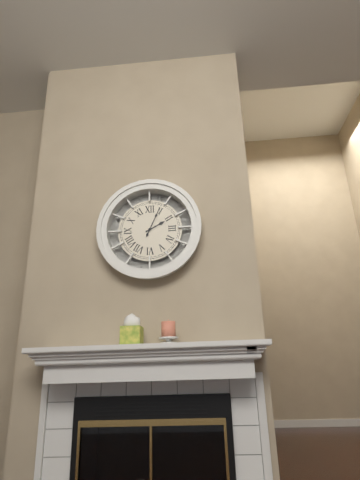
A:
h=2 m=4
